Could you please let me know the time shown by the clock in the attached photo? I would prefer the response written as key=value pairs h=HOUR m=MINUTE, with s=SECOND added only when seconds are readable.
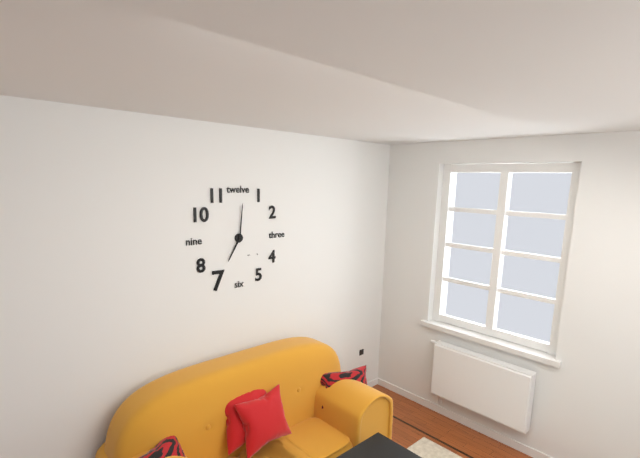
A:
h=7 m=1
